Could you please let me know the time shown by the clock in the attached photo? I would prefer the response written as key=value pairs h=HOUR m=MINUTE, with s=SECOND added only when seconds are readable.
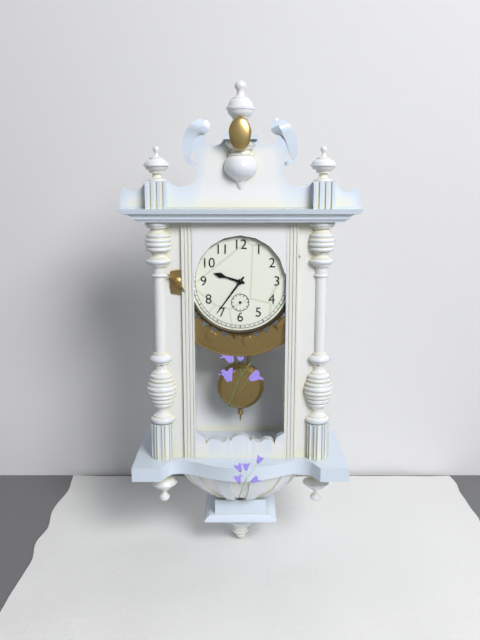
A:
h=9 m=36
